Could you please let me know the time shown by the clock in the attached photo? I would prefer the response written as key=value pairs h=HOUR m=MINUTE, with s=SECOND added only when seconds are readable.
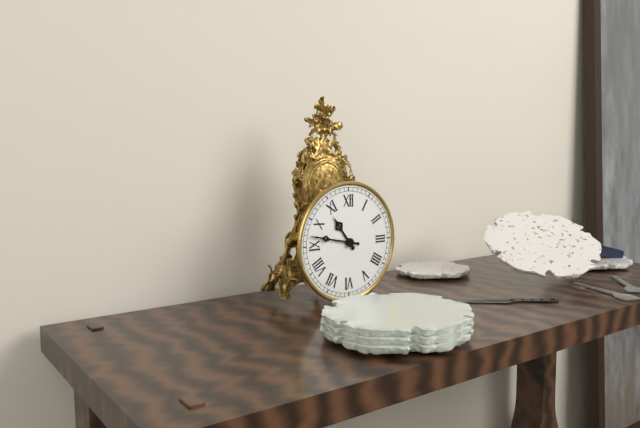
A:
h=10 m=47
